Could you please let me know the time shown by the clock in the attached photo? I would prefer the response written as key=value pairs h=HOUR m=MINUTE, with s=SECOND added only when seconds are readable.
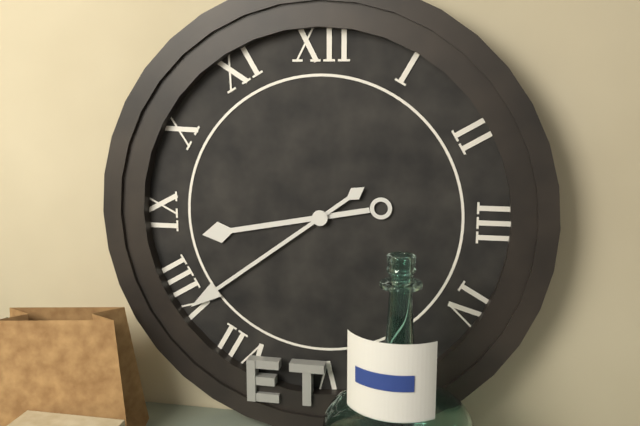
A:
h=8 m=39
